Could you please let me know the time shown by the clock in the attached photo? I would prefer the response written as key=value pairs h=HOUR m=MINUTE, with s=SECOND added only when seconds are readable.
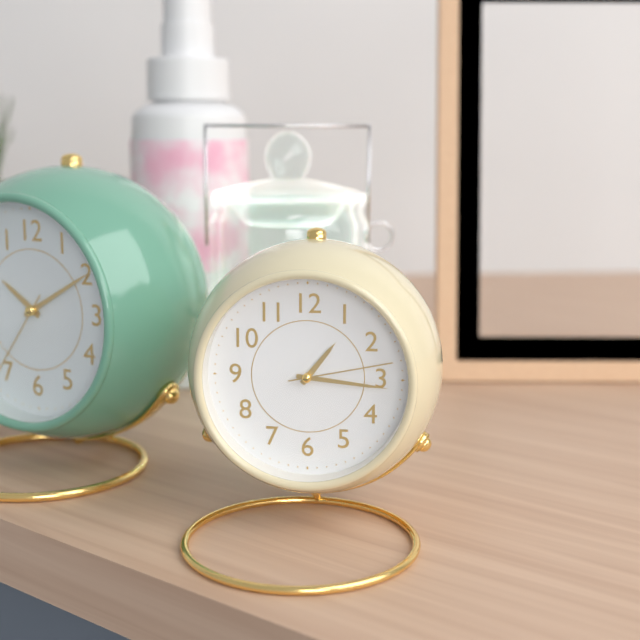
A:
h=1 m=16 s=13
